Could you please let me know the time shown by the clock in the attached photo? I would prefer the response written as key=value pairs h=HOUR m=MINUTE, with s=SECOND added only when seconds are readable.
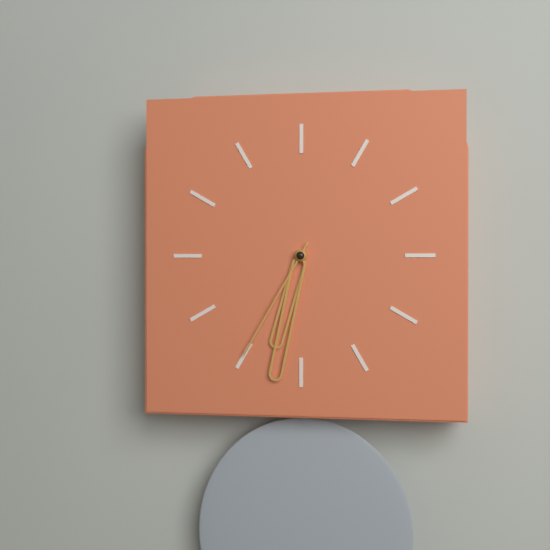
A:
h=6 m=32 s=35
